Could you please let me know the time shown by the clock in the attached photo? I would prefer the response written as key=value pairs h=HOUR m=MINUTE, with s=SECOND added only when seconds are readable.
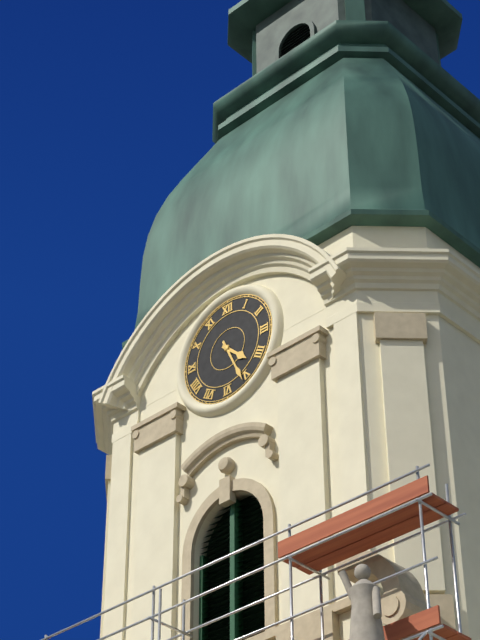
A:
h=4 m=26
